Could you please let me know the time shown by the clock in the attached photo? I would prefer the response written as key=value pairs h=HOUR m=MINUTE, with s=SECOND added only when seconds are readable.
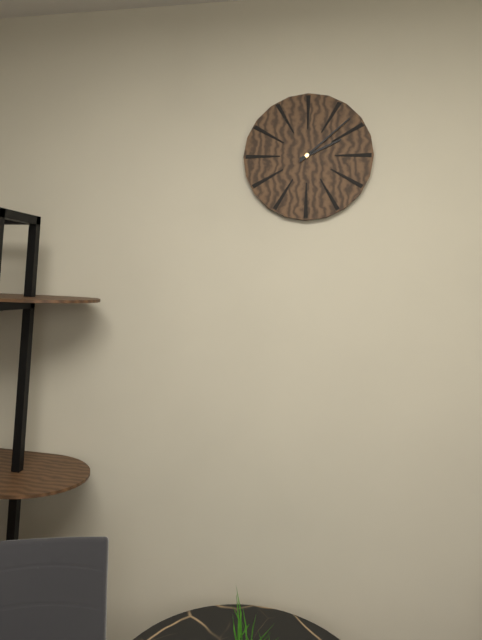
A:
h=2 m=8
